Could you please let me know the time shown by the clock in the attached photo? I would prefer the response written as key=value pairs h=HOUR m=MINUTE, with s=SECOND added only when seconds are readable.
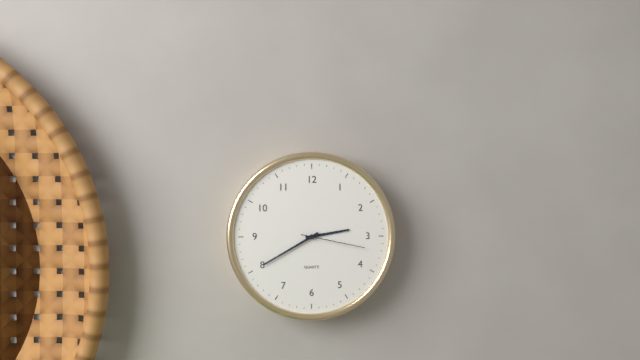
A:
h=2 m=40 s=17
